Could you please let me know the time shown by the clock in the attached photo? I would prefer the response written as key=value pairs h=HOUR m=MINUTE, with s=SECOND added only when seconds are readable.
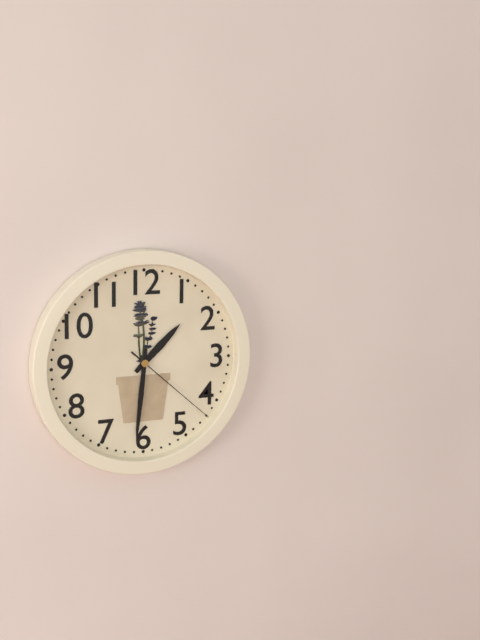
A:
h=1 m=31 s=22
